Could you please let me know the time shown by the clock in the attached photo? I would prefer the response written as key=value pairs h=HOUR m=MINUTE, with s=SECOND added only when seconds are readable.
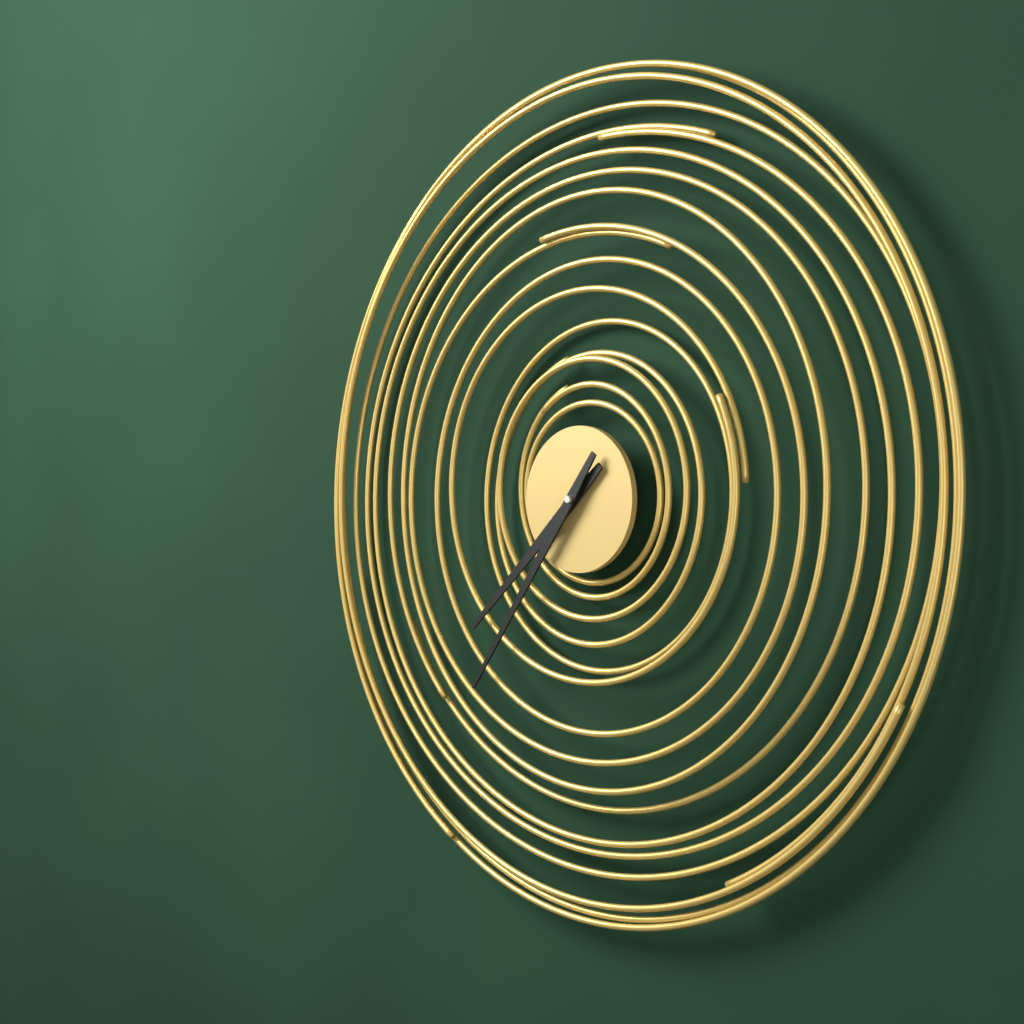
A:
h=7 m=36
